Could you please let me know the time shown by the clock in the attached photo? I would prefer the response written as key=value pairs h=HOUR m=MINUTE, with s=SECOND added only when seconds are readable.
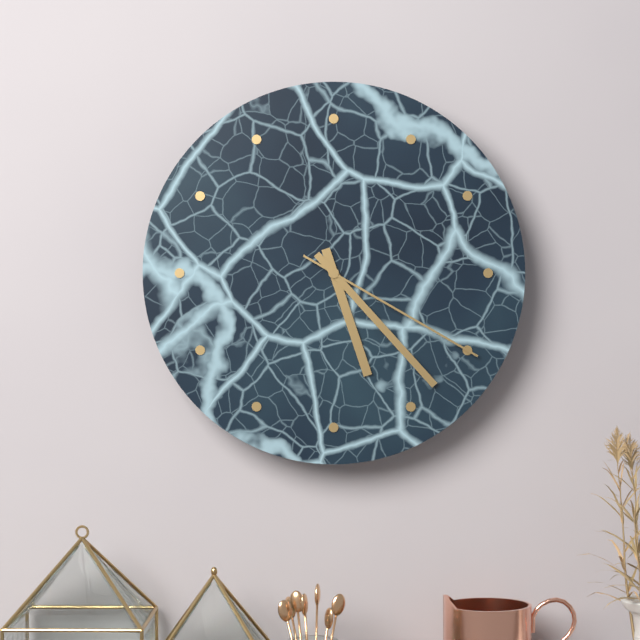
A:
h=5 m=23 s=20
